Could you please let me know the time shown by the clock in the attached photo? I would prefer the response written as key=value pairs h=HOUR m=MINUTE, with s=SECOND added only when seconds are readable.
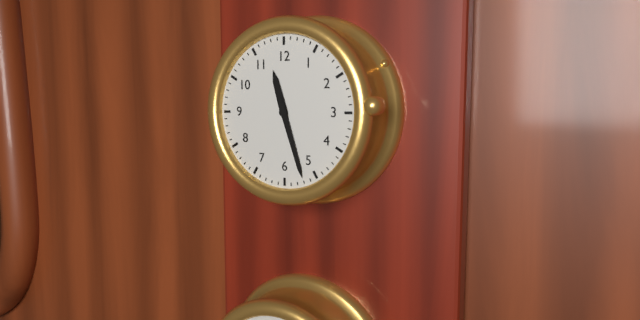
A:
h=11 m=27
